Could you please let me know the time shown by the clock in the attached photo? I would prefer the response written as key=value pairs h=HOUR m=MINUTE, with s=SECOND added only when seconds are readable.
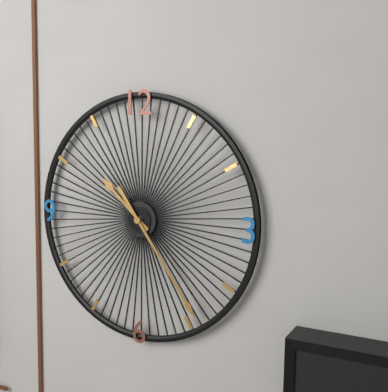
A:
h=10 m=24
